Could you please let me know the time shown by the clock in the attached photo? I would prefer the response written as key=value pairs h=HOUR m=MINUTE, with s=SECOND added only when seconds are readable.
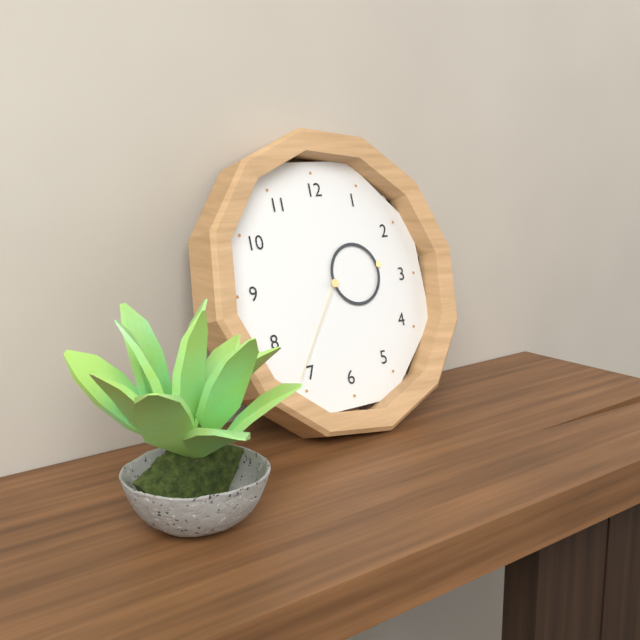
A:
h=2 m=36
